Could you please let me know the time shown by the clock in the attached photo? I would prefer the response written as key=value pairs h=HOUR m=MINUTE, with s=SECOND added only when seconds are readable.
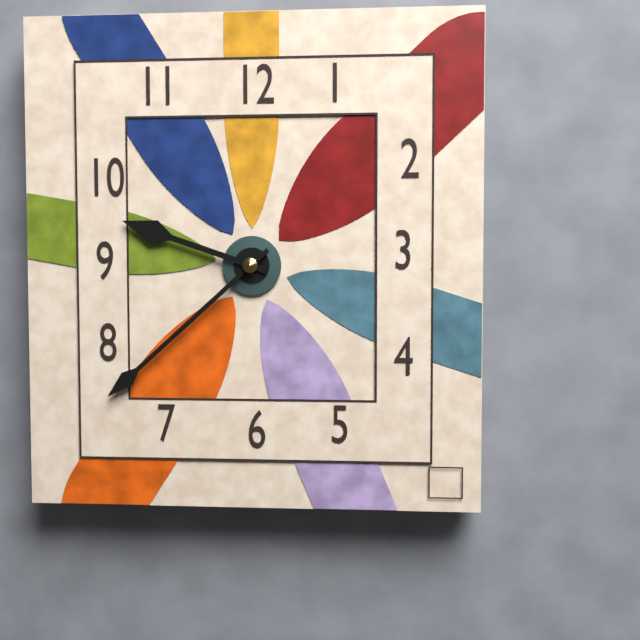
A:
h=9 m=38
